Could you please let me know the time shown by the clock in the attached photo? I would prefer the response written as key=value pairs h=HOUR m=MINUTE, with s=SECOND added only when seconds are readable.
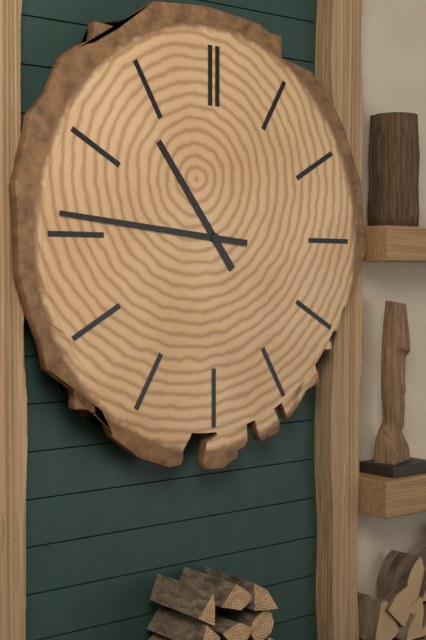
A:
h=10 m=46
